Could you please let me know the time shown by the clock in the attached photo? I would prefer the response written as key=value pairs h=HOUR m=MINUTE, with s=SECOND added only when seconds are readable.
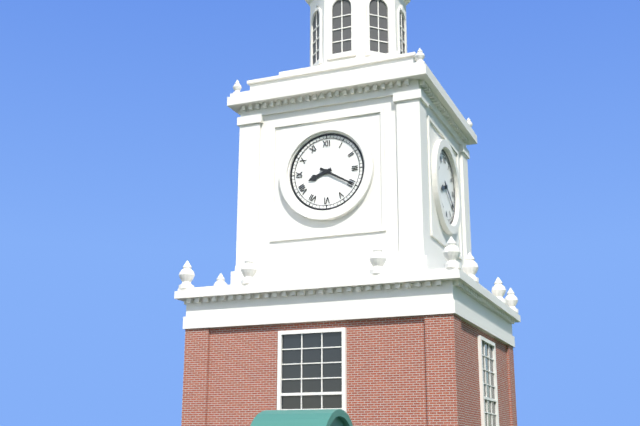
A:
h=8 m=20
